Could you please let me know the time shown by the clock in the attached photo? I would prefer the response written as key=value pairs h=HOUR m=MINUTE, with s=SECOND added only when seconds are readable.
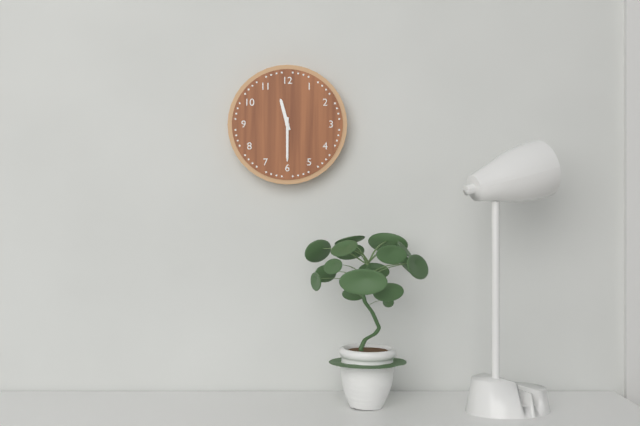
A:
h=11 m=30
